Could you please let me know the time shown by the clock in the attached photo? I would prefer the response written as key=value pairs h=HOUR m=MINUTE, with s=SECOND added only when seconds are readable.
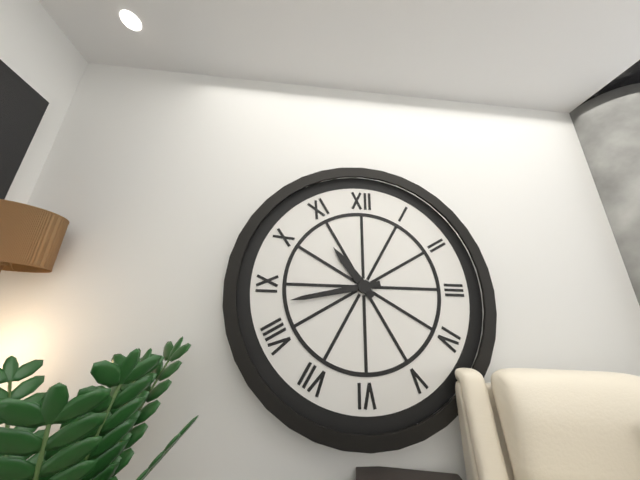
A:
h=10 m=43
